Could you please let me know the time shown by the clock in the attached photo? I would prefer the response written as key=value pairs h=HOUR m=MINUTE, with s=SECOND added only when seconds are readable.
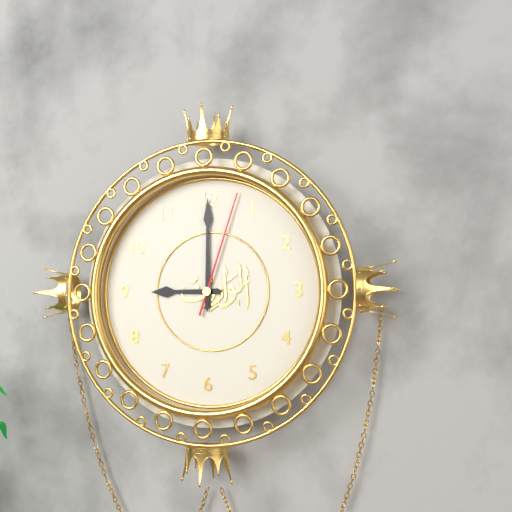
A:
h=9 m=0 s=3
